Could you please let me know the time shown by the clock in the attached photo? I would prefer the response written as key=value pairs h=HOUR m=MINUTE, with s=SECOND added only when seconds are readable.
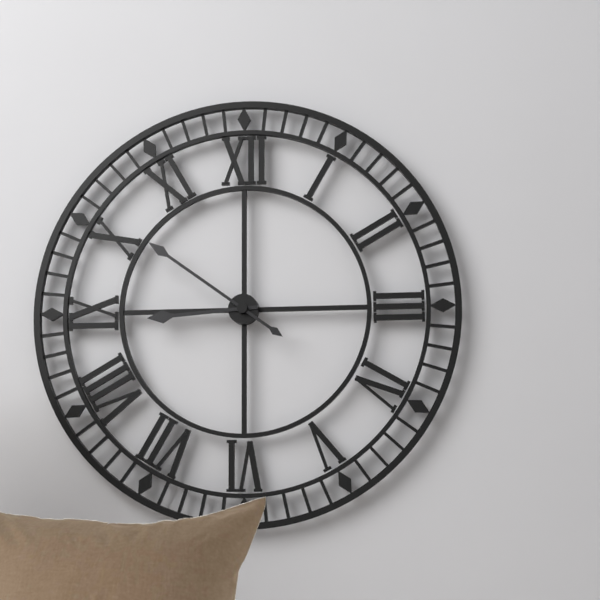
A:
h=8 m=51
